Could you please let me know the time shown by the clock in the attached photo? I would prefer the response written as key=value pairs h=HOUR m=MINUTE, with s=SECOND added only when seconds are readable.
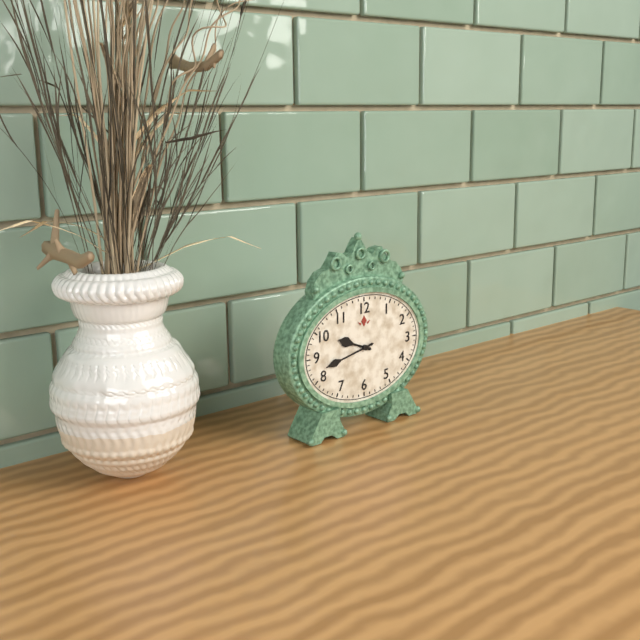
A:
h=9 m=43
